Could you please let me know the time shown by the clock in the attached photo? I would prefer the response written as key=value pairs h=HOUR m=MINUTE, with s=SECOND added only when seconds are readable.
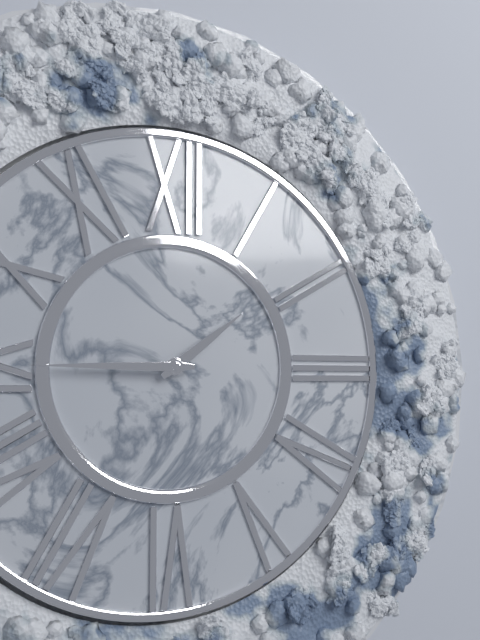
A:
h=1 m=45
